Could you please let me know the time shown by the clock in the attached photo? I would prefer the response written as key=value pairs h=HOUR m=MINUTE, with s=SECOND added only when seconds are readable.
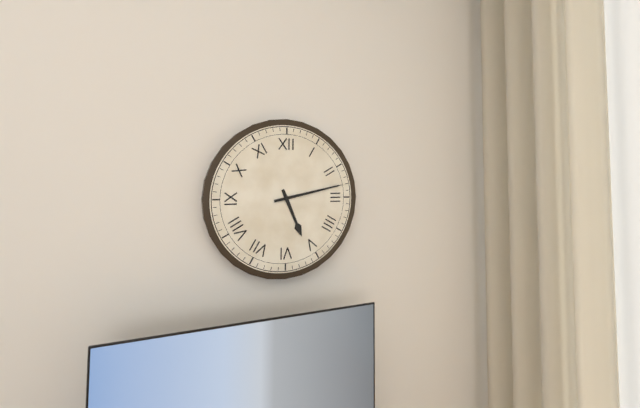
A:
h=5 m=13
